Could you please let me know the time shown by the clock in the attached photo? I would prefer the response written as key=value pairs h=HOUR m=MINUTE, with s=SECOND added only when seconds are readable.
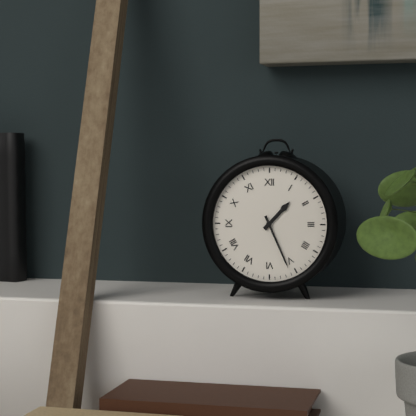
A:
h=1 m=26
